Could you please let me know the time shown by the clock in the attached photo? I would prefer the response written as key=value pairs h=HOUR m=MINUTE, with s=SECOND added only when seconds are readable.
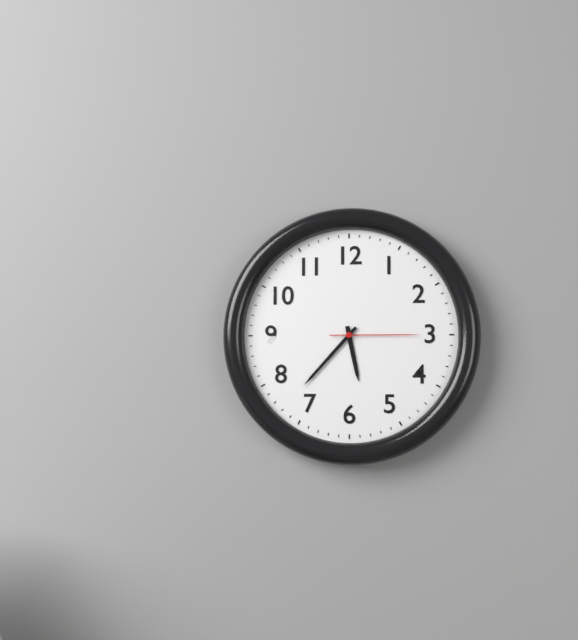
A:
h=5 m=37 s=15
